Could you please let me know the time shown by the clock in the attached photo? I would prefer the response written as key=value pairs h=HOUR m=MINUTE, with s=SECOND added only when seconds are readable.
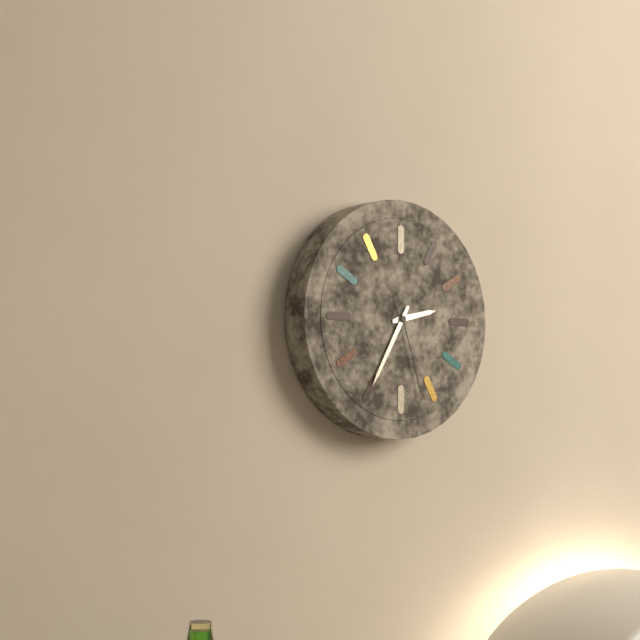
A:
h=2 m=35 s=27
